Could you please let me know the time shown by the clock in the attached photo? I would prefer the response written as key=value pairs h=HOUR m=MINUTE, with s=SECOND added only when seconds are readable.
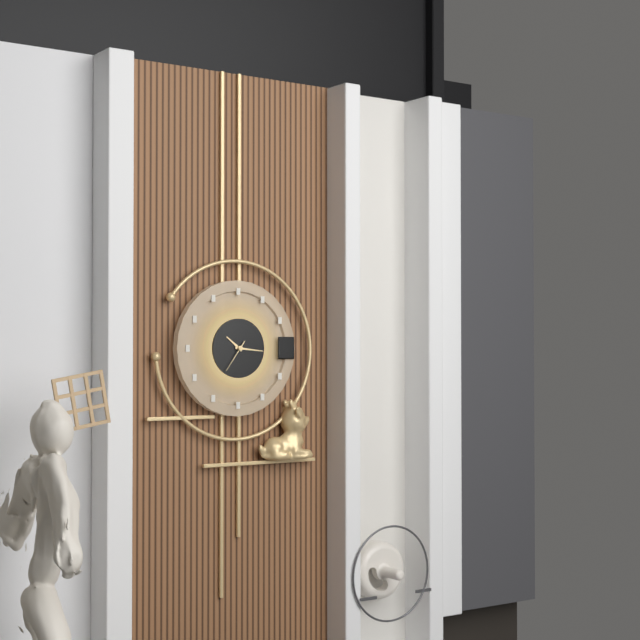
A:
h=10 m=16
